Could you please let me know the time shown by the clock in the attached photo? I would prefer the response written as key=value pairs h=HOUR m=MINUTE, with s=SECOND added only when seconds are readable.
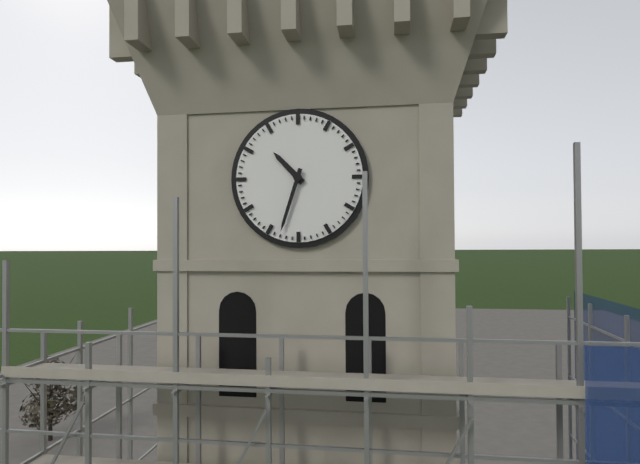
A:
h=10 m=33
